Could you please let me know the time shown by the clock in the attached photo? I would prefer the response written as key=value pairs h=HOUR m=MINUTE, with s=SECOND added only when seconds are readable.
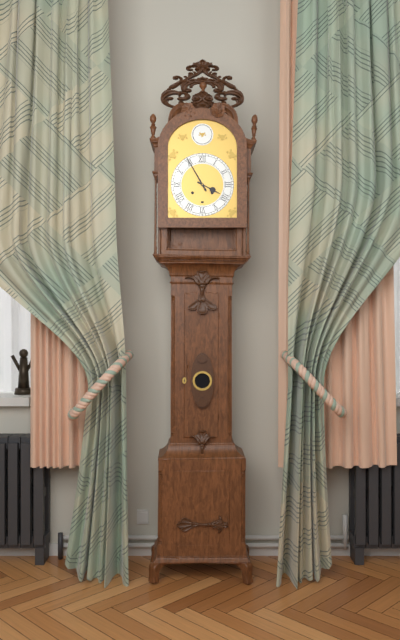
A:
h=3 m=55
